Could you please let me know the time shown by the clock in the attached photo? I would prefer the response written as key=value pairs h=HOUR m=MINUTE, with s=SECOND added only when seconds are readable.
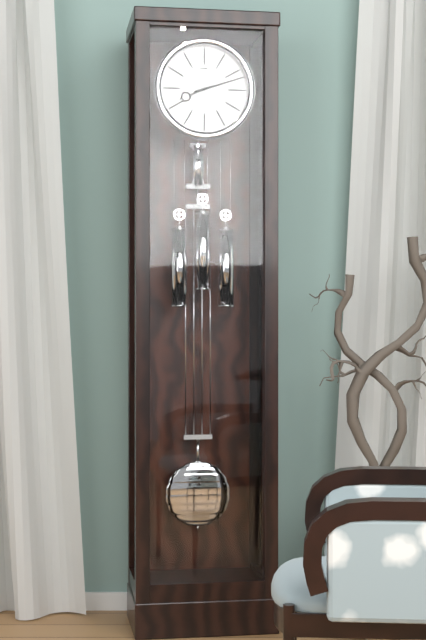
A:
h=8 m=12
